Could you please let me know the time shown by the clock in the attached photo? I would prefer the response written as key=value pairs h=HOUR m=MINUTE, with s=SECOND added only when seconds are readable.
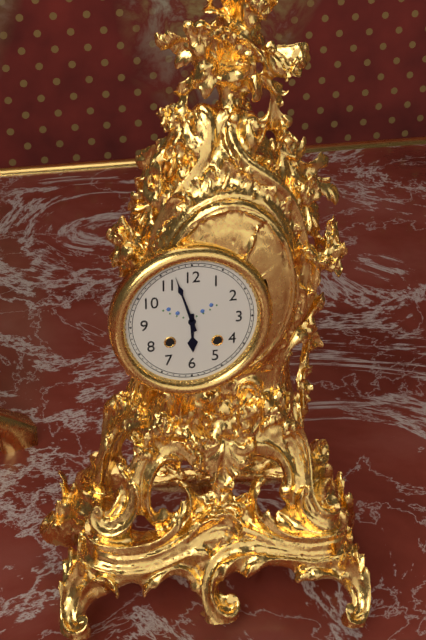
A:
h=5 m=57
